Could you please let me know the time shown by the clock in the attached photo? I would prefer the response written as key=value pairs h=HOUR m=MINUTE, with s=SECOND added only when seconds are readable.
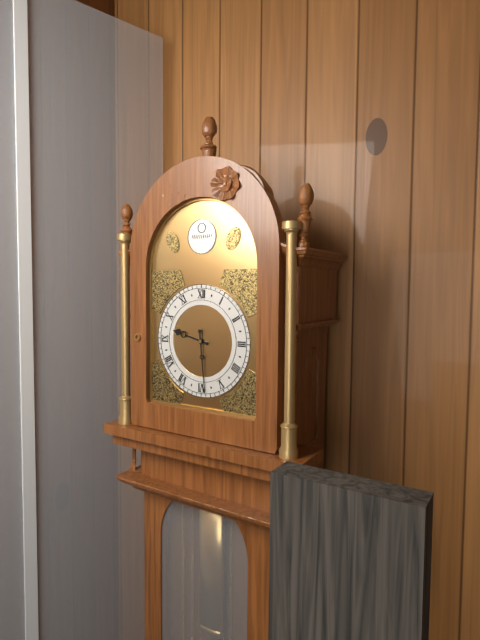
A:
h=9 m=29
